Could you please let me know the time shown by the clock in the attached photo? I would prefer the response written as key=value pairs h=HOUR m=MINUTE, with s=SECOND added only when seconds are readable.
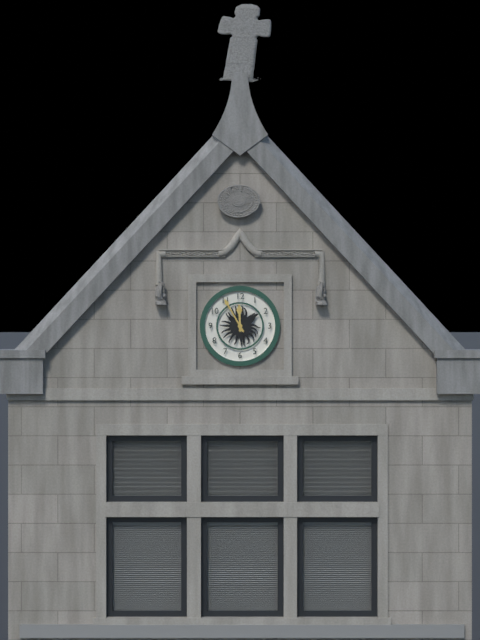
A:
h=11 m=55
